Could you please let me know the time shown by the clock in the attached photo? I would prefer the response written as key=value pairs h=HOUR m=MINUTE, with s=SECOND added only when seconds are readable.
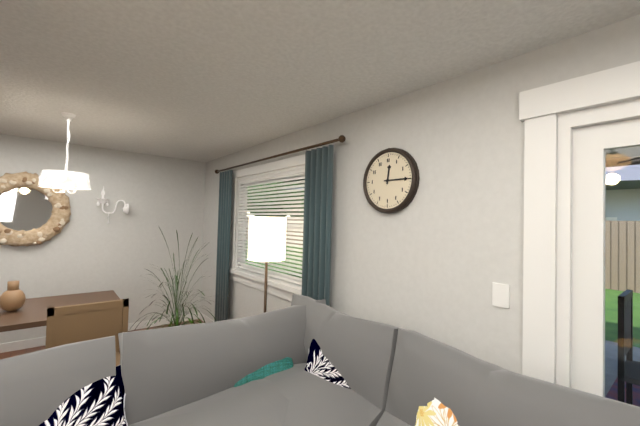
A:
h=12 m=15
